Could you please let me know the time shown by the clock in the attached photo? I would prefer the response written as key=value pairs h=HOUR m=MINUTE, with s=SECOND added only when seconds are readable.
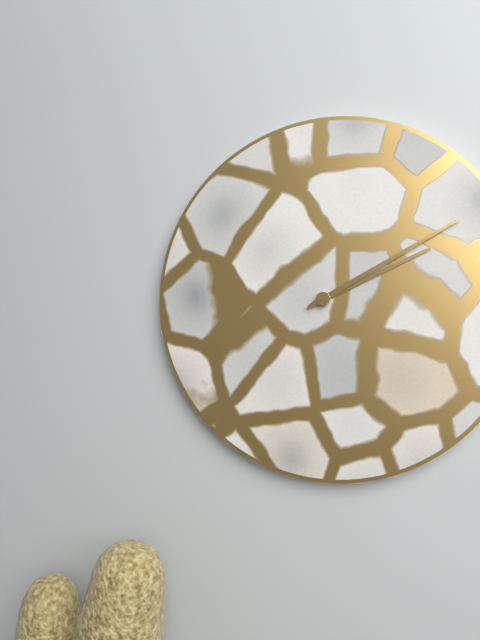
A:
h=2 m=10
